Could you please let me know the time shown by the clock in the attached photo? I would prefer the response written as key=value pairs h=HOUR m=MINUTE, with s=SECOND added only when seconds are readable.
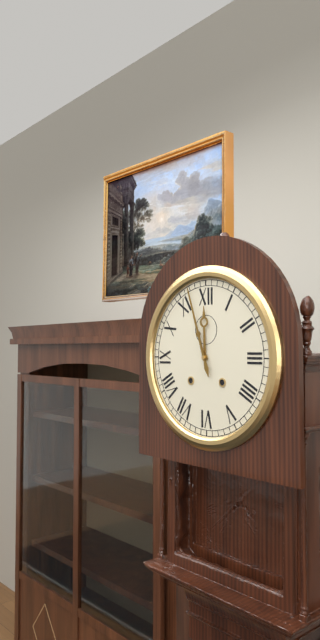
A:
h=11 m=57
